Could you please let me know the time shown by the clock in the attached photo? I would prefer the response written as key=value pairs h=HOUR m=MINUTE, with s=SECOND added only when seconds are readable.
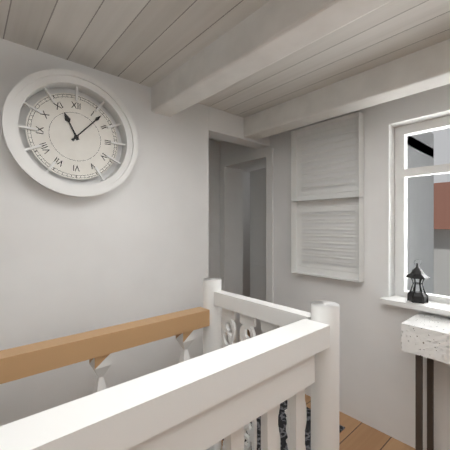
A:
h=11 m=7
